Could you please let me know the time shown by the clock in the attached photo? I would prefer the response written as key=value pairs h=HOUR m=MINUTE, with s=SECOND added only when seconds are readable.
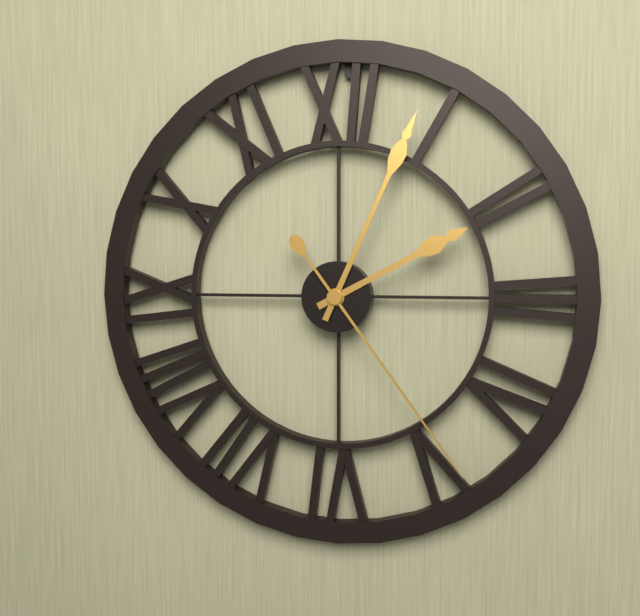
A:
h=2 m=4 s=24
